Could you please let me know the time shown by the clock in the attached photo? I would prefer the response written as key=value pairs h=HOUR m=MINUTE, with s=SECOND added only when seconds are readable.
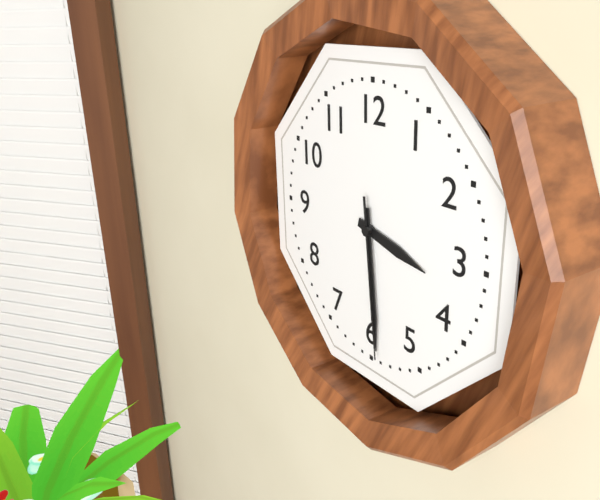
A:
h=3 m=29 s=29
